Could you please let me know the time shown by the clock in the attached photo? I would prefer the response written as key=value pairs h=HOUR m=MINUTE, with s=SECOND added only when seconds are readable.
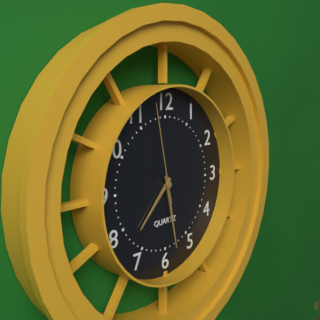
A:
h=7 m=28 s=58
